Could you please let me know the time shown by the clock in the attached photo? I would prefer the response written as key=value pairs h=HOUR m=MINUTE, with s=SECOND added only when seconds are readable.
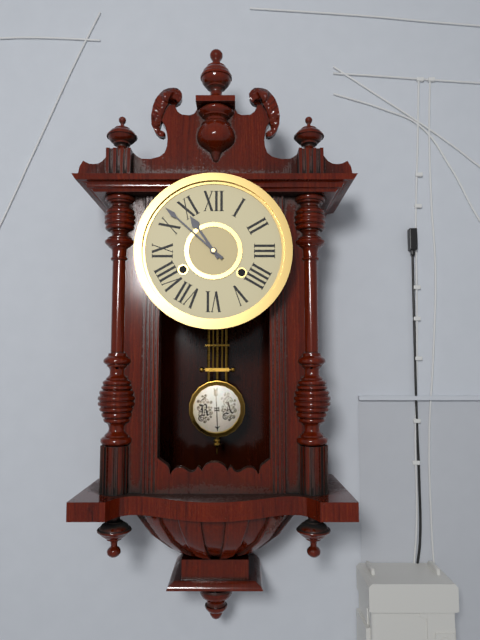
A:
h=10 m=52
